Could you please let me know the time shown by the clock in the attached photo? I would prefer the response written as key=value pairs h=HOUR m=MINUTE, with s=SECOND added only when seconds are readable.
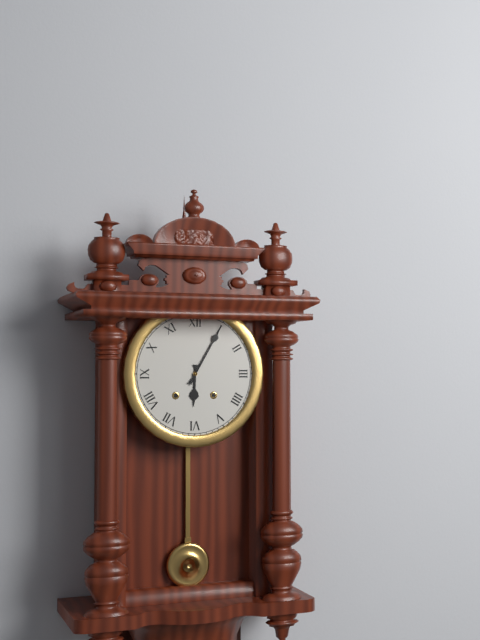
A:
h=6 m=5
